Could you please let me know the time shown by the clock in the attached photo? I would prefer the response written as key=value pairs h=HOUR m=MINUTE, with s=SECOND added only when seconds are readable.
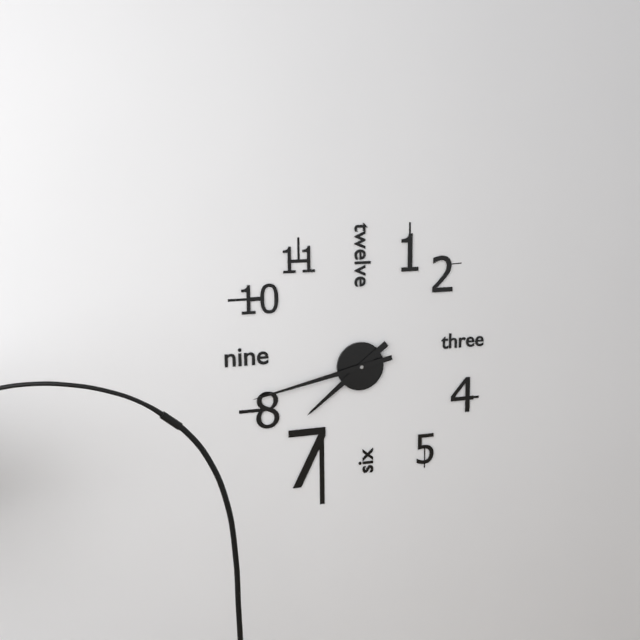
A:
h=7 m=43
